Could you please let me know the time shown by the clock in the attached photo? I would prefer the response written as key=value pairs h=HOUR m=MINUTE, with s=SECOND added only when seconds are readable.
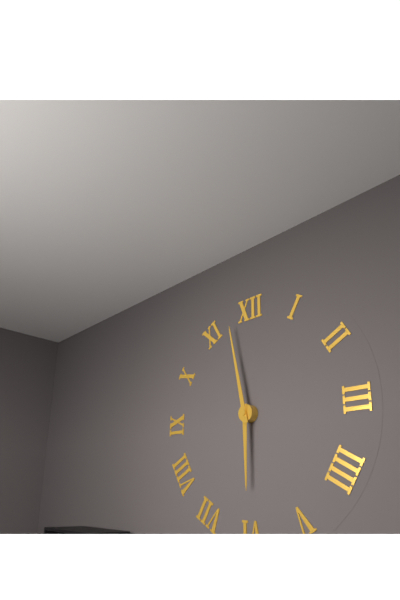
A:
h=5 m=58
